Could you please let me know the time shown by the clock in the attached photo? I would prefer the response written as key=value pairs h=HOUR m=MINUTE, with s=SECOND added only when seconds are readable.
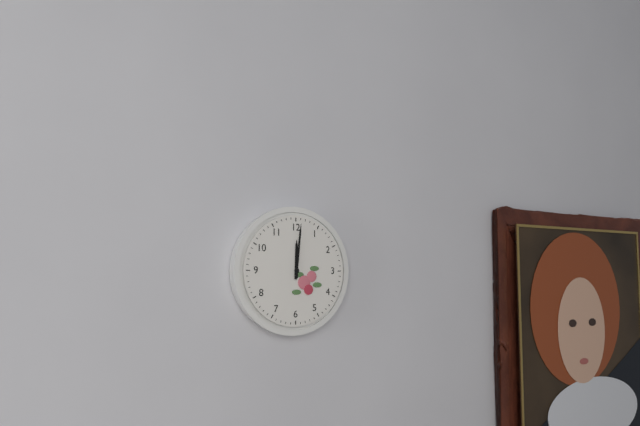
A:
h=12 m=1
